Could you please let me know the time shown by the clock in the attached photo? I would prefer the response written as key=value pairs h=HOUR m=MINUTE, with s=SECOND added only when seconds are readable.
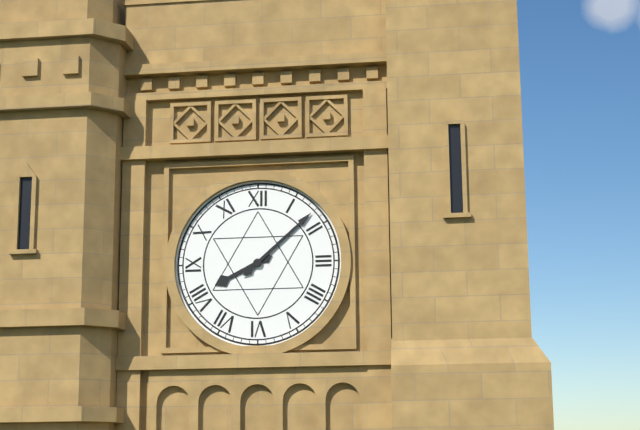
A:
h=8 m=8
